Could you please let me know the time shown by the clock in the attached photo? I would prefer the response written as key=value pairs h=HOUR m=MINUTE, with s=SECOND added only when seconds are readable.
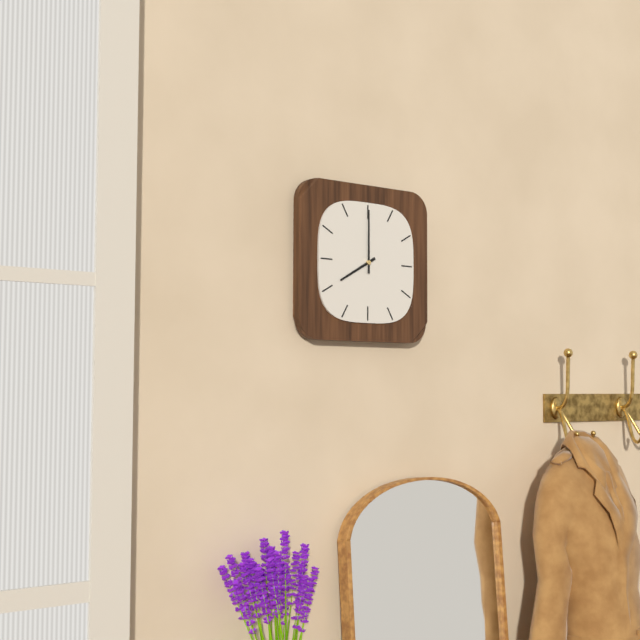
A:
h=8 m=0
